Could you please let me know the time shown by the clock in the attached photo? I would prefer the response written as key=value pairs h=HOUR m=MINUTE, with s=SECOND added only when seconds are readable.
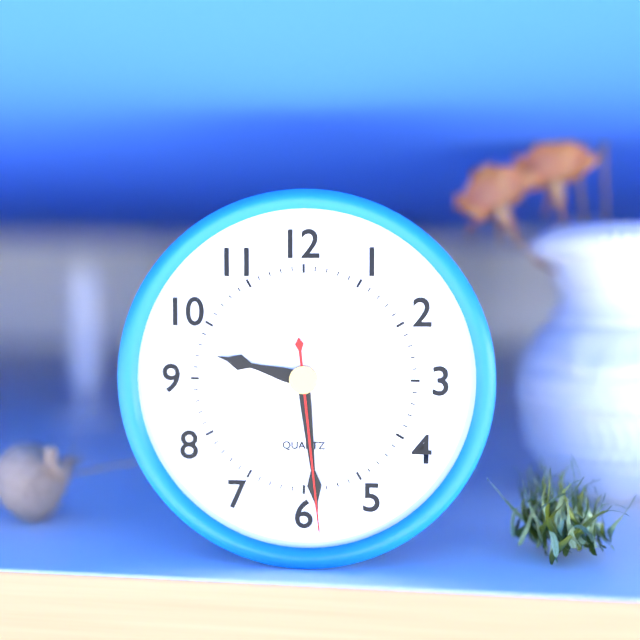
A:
h=9 m=29 s=29
